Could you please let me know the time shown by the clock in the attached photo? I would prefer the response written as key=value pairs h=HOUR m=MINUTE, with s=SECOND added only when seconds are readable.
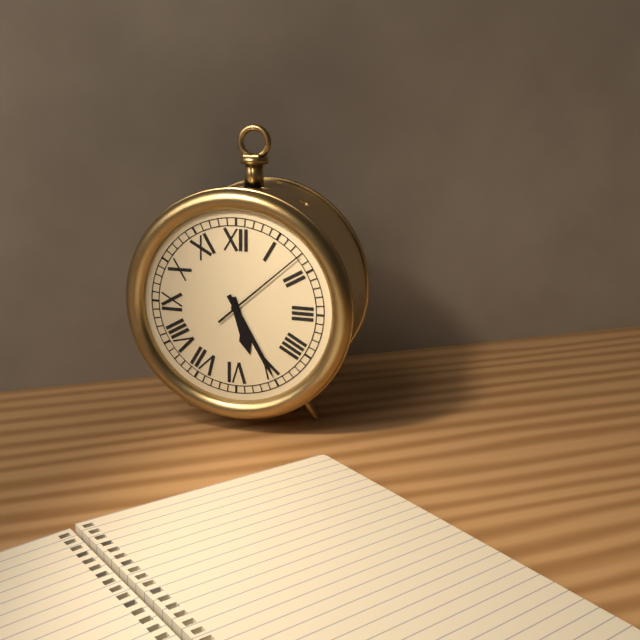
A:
h=5 m=25 s=8
